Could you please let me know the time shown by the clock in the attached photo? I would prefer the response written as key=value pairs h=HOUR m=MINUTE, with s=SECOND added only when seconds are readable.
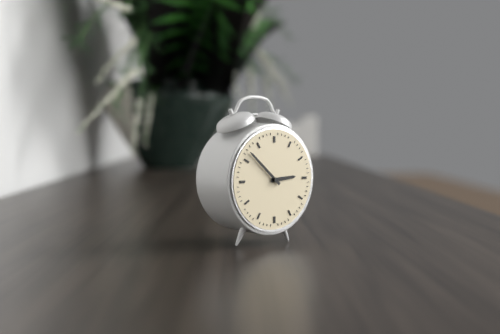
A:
h=2 m=52
